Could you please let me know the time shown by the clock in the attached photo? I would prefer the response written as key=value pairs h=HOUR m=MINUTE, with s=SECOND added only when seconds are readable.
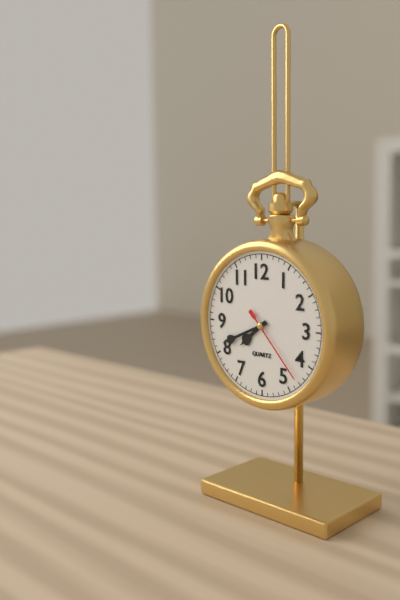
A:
h=7 m=41 s=23
